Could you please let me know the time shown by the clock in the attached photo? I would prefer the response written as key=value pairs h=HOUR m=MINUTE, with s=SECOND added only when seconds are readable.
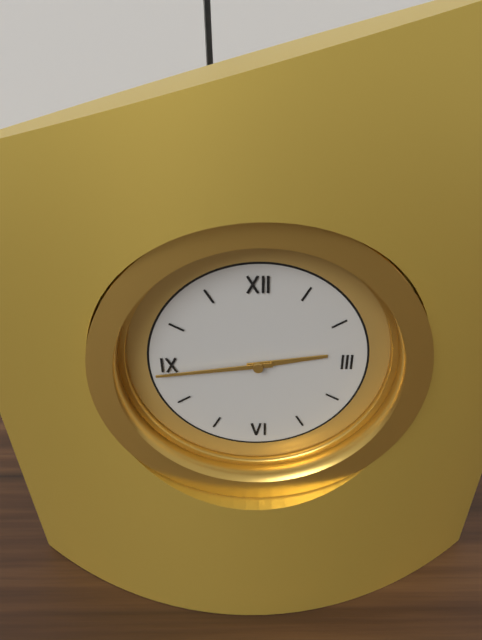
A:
h=2 m=44
